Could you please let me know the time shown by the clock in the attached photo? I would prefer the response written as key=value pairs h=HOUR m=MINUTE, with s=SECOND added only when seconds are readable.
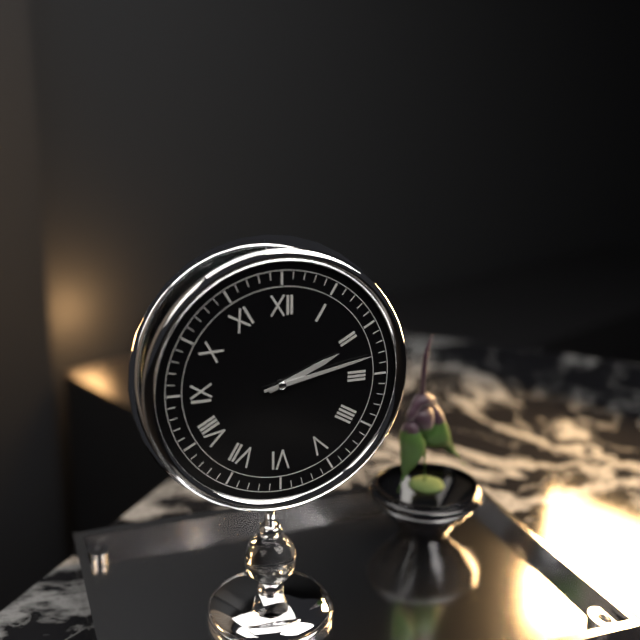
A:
h=2 m=13
